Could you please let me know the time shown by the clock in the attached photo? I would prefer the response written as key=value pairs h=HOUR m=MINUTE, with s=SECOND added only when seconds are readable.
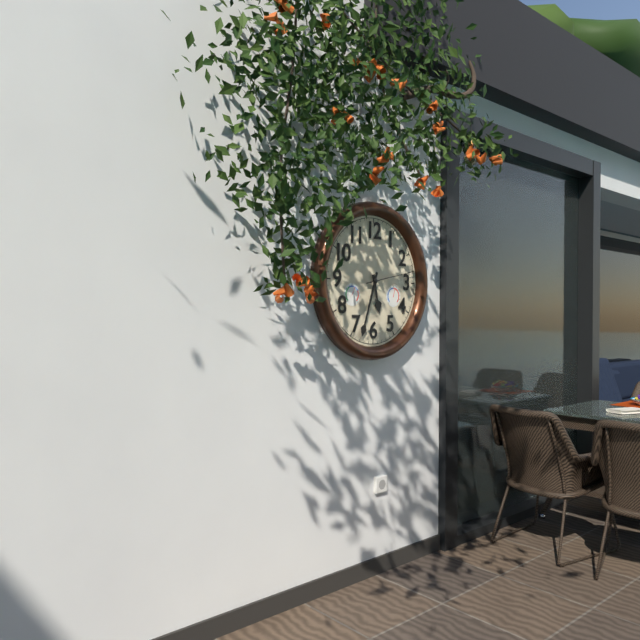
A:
h=5 m=33 s=13
